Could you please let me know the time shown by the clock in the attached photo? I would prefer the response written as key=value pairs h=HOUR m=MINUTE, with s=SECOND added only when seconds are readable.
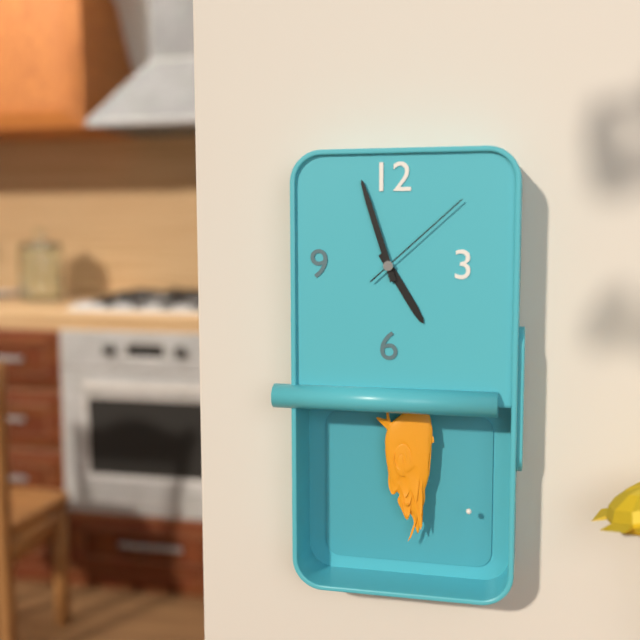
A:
h=4 m=57 s=8
